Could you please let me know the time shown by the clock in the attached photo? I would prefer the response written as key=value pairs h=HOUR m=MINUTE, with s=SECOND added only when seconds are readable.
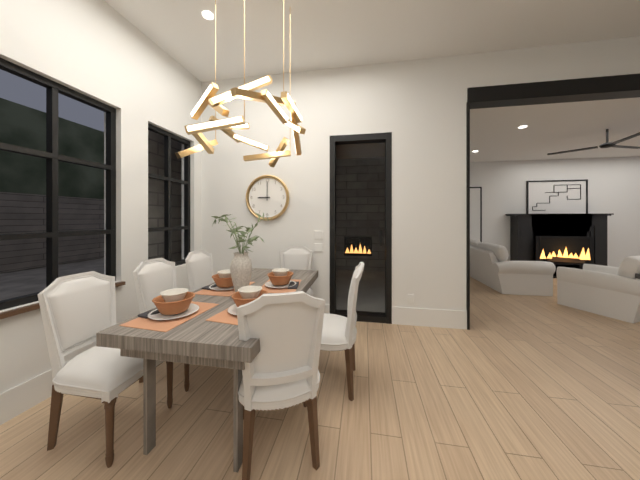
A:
h=9 m=0
